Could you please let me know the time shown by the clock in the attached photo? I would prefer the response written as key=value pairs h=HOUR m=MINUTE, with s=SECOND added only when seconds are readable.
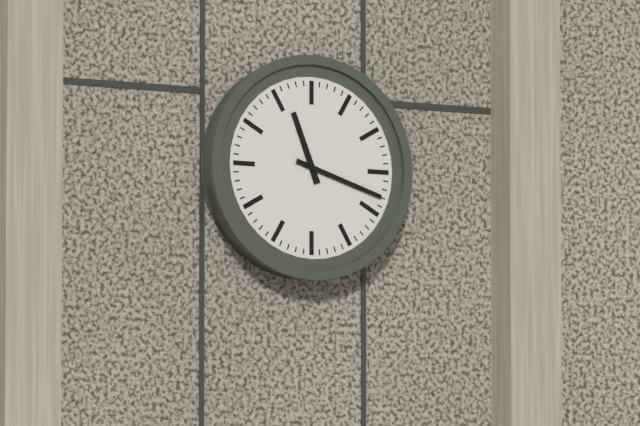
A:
h=11 m=18
